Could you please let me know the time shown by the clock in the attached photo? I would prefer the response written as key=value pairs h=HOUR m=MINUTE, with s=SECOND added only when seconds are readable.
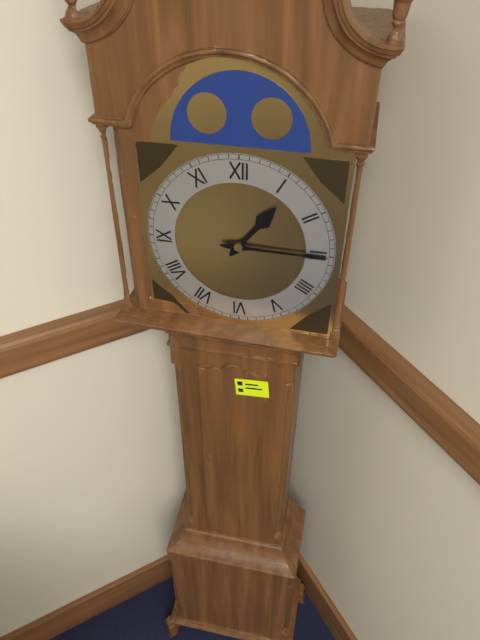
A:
h=1 m=15
